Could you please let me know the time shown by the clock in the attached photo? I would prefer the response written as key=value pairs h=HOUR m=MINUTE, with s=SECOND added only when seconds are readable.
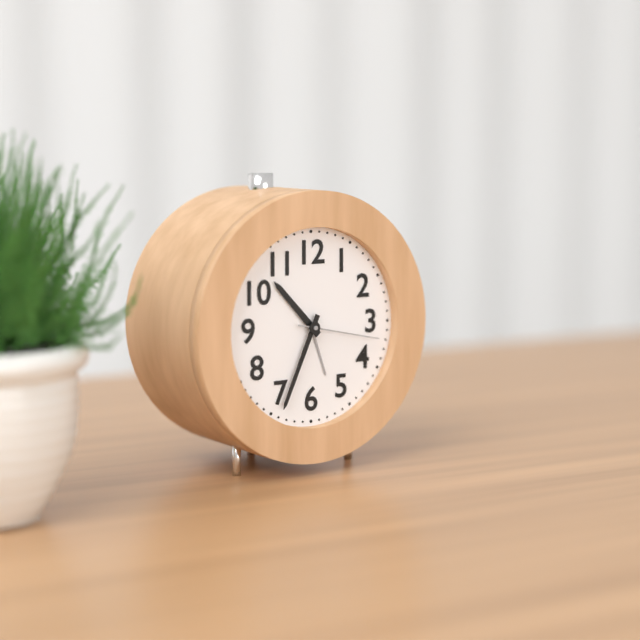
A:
h=10 m=34 s=17
